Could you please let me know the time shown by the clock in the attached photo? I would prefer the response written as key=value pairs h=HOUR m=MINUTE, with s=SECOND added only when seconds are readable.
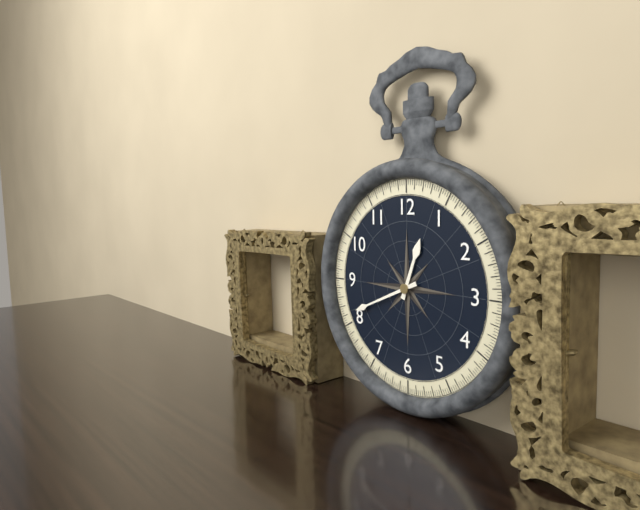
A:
h=12 m=41
